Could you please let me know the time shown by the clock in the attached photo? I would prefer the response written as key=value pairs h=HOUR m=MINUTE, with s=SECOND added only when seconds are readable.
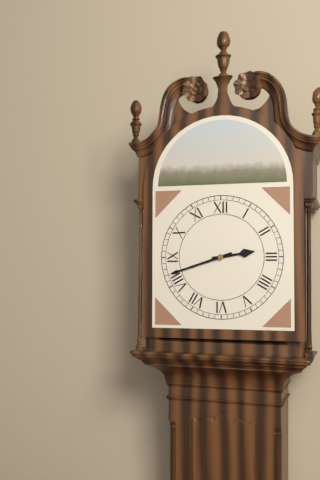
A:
h=2 m=42
